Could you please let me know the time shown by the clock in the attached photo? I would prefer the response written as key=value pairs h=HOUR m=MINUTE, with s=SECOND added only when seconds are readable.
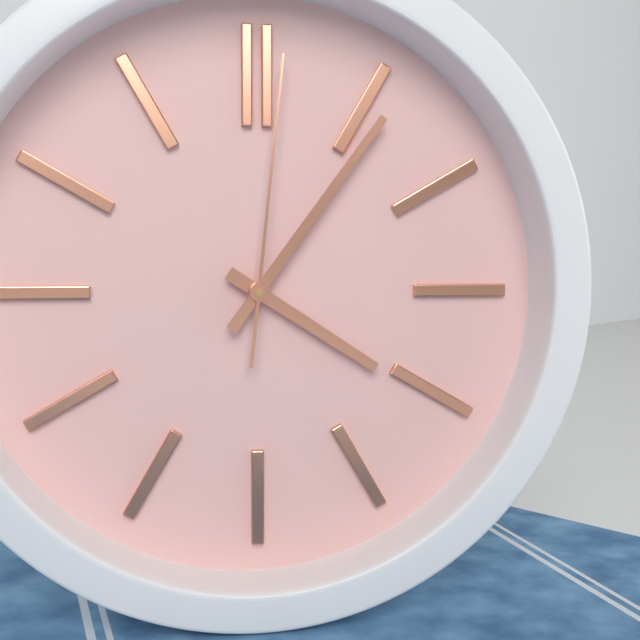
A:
h=4 m=6 s=1
